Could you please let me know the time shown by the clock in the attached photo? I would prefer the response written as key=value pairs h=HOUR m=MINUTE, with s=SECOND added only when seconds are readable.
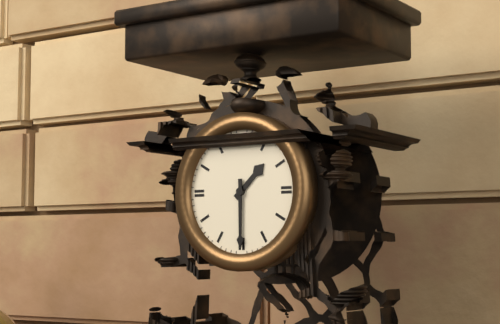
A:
h=1 m=30
